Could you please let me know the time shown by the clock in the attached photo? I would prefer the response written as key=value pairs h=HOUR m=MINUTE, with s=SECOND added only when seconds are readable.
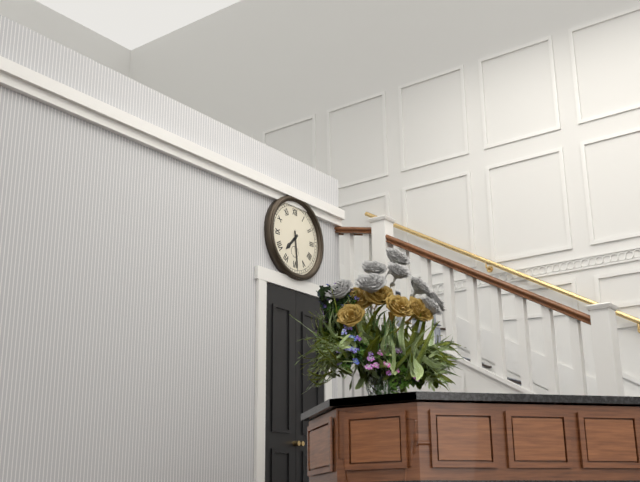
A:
h=7 m=29
